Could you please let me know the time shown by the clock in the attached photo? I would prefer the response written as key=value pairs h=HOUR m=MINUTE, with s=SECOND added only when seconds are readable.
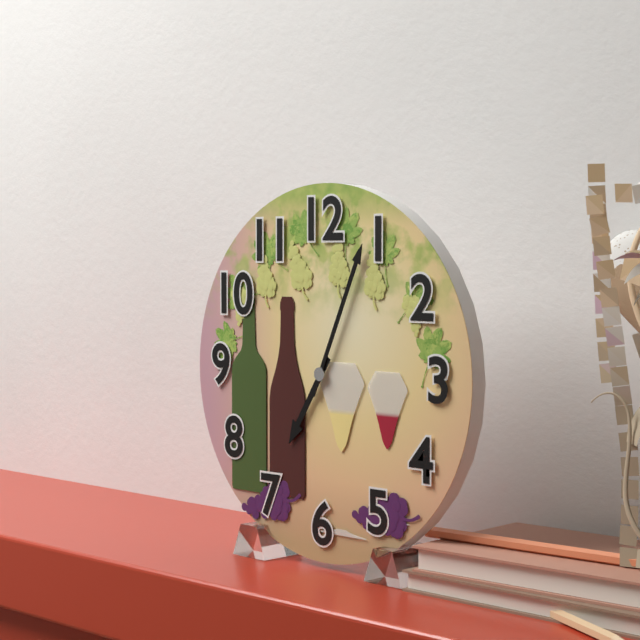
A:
h=7 m=4
